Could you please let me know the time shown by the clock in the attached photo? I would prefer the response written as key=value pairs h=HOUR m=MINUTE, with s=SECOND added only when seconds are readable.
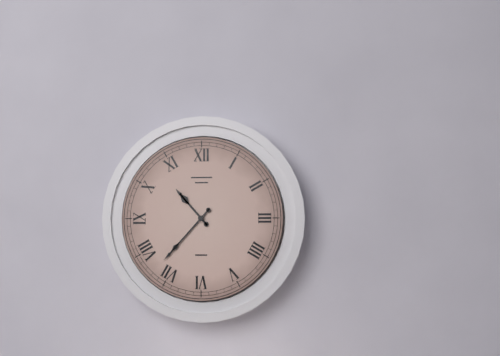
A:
h=10 m=37
